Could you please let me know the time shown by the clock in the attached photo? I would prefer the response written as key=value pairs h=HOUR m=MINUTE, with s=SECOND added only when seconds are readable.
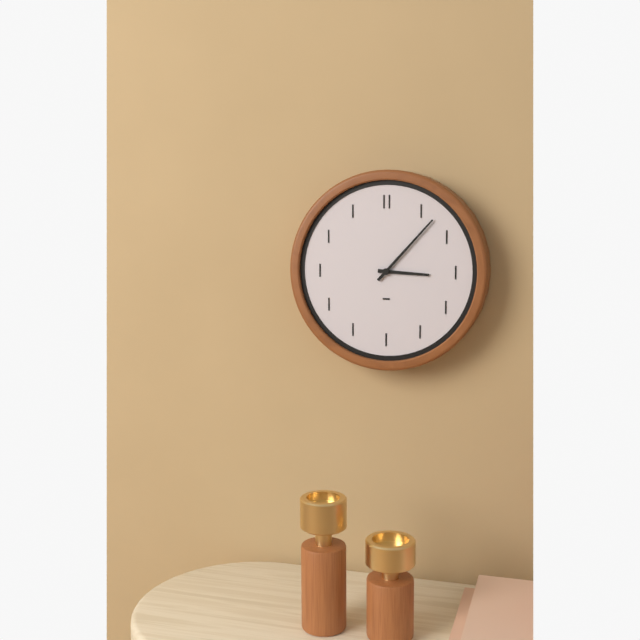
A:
h=3 m=7
